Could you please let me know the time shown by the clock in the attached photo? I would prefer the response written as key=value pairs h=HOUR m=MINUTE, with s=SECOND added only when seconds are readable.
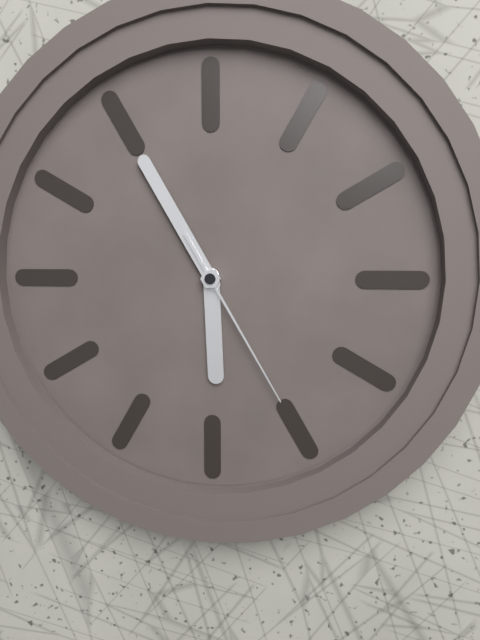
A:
h=5 m=55 s=25
